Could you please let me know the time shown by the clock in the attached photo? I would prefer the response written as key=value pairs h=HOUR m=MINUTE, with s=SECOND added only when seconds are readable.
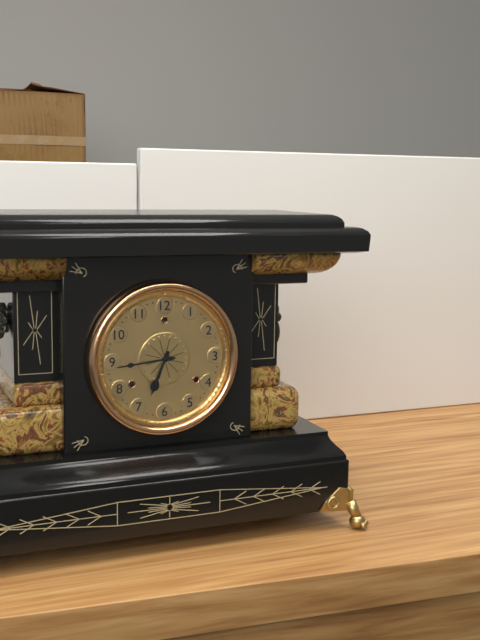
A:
h=6 m=44
